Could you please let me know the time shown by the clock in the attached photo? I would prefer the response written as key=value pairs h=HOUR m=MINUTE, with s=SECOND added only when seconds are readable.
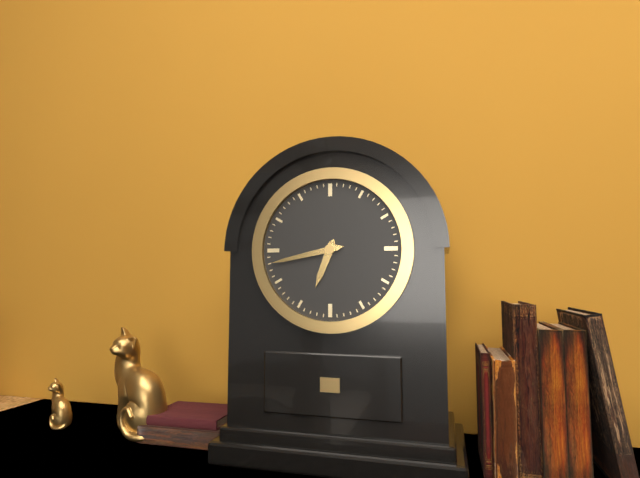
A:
h=6 m=43
